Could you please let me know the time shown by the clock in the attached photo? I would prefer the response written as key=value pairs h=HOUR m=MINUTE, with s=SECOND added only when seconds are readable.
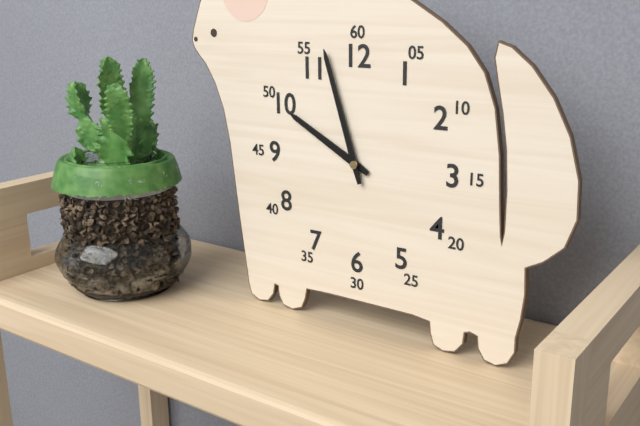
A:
h=9 m=57
